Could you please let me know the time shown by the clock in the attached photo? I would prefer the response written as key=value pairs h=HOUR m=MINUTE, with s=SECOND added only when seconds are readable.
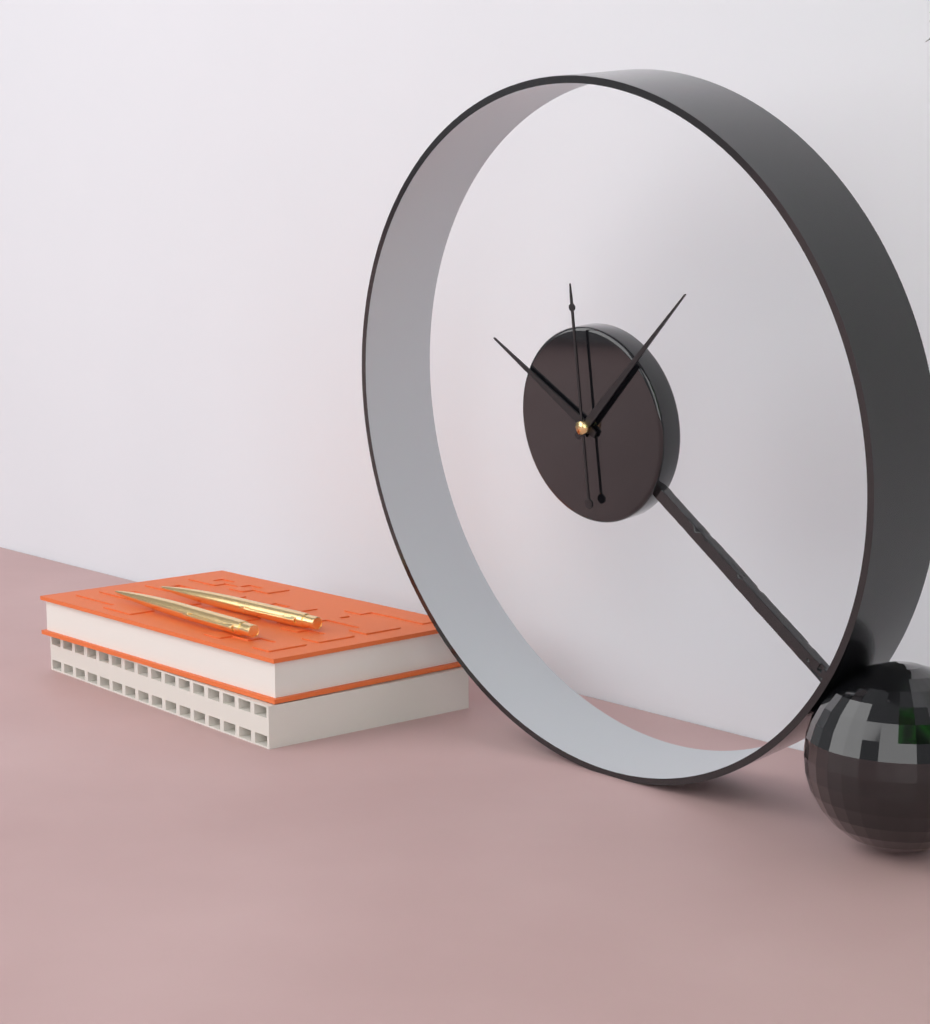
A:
h=10 m=8 s=0
